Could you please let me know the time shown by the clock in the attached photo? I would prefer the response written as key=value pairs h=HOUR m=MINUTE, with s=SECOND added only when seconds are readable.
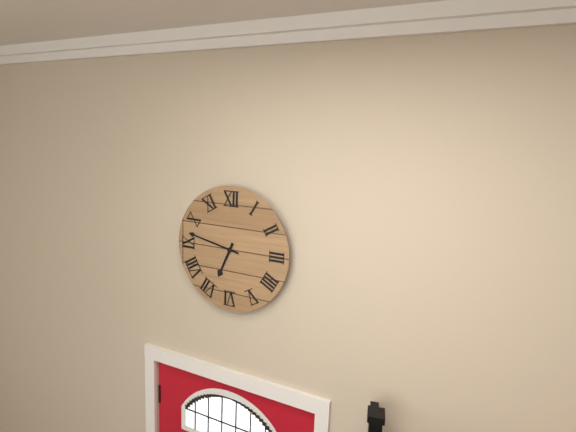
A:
h=6 m=47
